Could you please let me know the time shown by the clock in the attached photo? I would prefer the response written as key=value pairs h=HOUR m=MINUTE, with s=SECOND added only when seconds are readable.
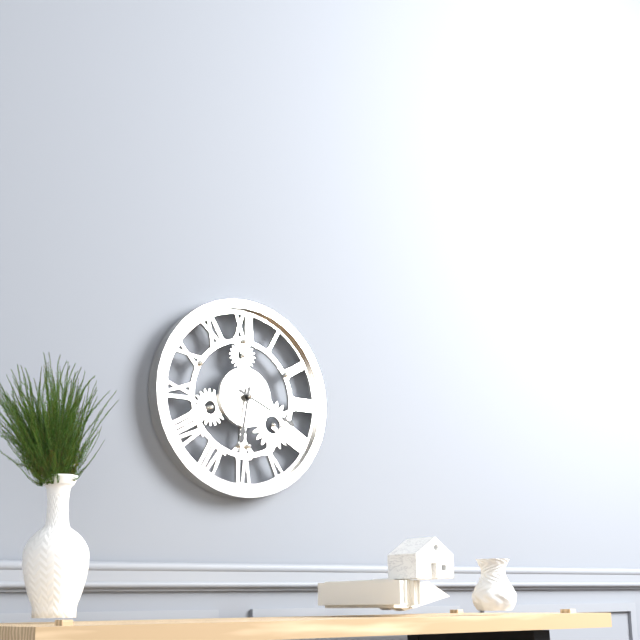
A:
h=6 m=19
